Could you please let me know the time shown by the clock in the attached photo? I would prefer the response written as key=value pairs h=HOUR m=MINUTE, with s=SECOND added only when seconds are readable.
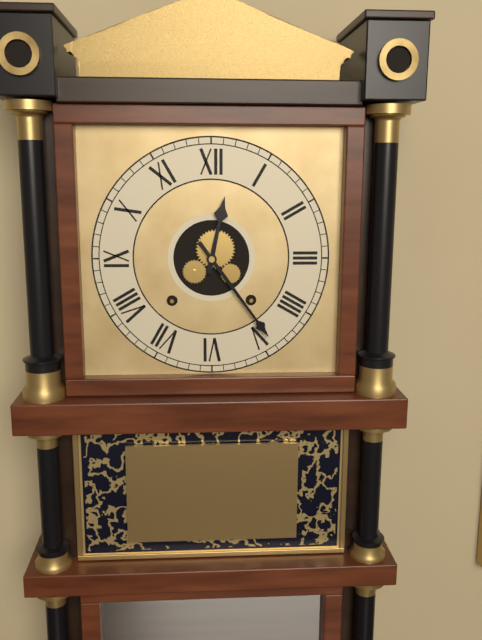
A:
h=12 m=24
